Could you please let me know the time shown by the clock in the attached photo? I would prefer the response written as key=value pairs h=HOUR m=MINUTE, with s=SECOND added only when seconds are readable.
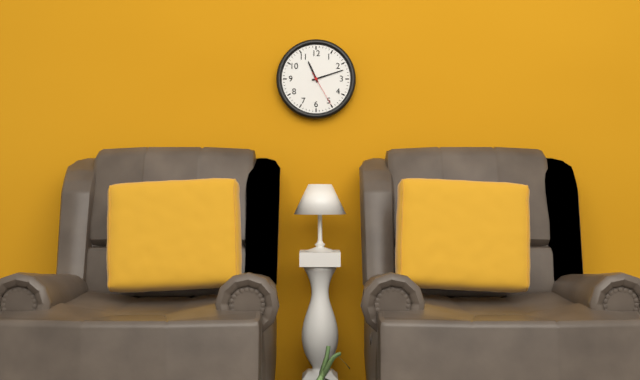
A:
h=11 m=12
